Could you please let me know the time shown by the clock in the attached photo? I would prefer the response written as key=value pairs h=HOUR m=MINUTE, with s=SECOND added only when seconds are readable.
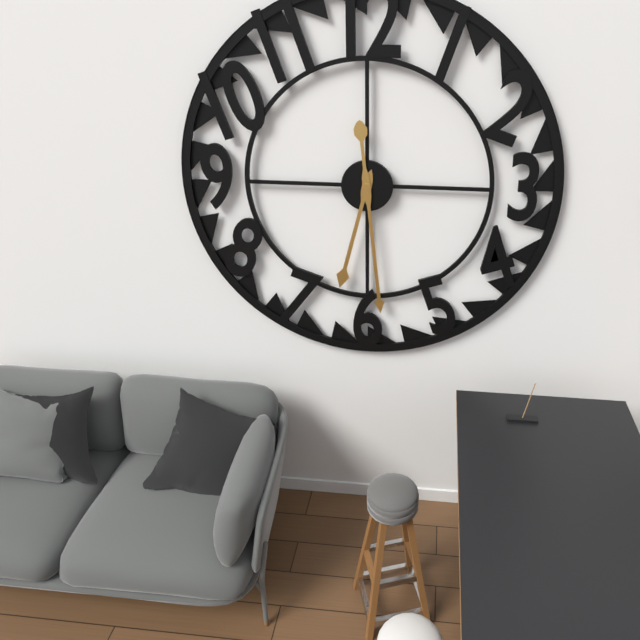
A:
h=6 m=29
